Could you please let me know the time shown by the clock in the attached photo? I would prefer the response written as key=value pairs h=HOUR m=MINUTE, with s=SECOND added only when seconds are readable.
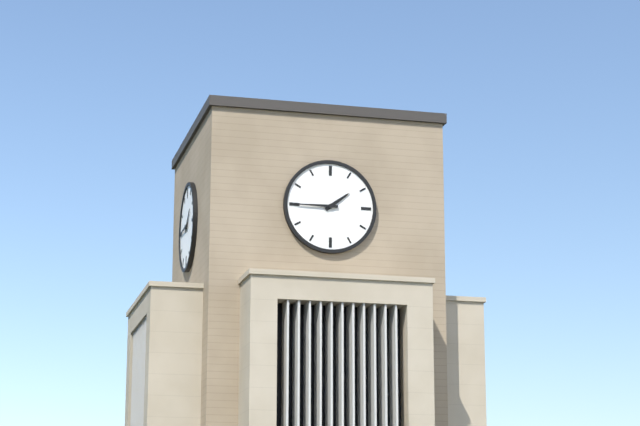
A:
h=1 m=45
